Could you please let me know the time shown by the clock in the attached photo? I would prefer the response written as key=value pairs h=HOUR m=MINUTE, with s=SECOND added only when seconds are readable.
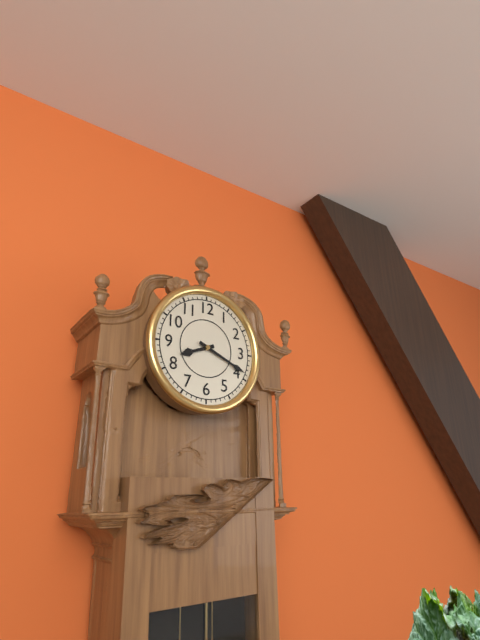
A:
h=8 m=19
